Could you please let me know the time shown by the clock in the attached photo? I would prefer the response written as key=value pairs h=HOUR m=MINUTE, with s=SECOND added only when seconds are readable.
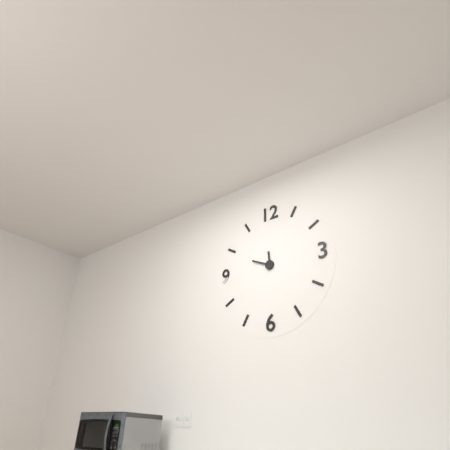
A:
h=11 m=49
